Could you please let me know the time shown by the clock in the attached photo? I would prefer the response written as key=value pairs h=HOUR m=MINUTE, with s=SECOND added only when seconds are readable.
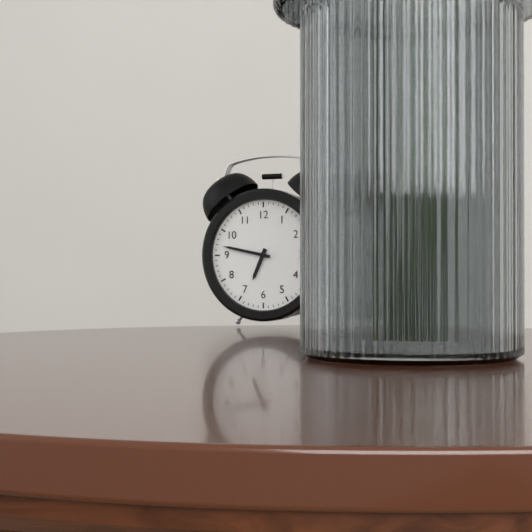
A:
h=6 m=47
